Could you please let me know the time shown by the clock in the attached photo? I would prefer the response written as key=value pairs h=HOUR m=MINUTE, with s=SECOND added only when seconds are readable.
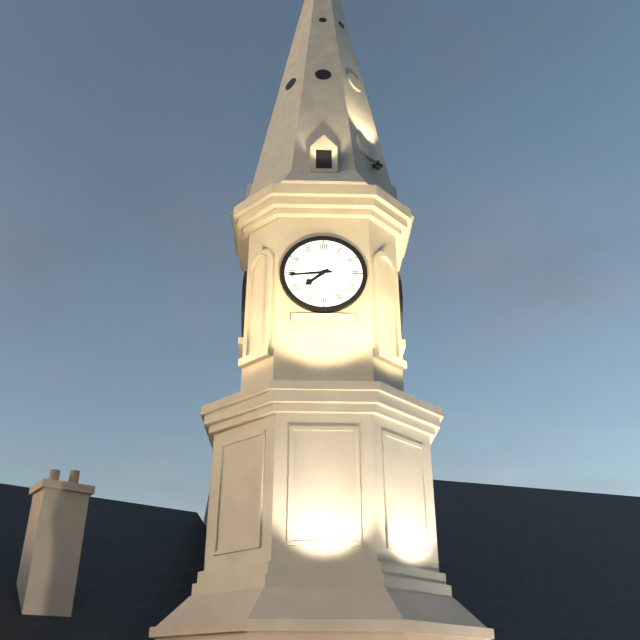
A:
h=7 m=44
